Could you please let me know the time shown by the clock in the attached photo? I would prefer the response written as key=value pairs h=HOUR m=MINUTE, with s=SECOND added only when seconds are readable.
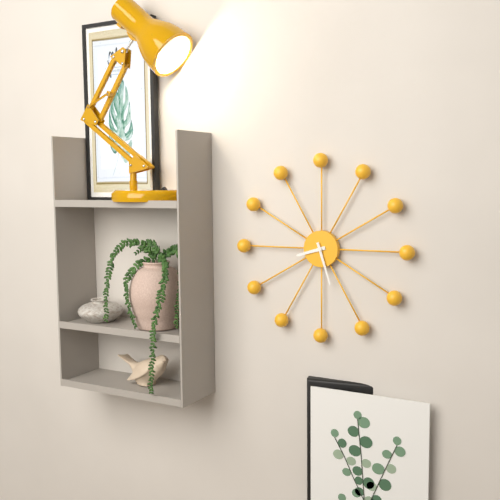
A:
h=8 m=27
